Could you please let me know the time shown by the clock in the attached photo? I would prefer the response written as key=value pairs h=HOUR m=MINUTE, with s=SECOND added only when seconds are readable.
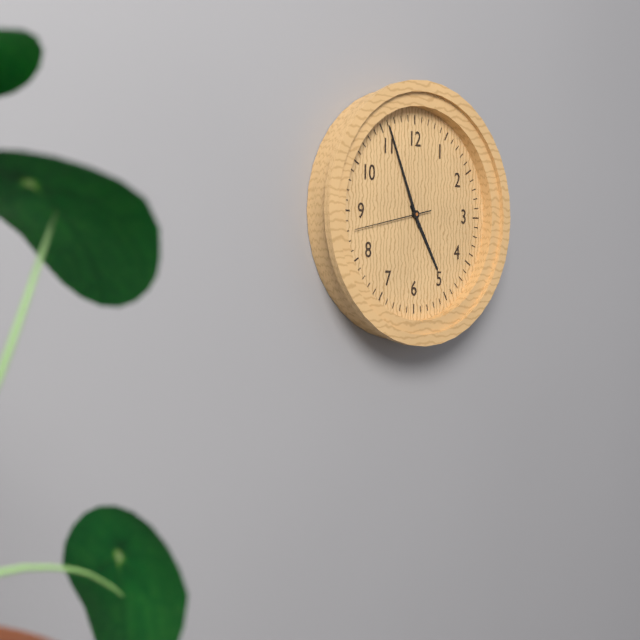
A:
h=4 m=56 s=43
